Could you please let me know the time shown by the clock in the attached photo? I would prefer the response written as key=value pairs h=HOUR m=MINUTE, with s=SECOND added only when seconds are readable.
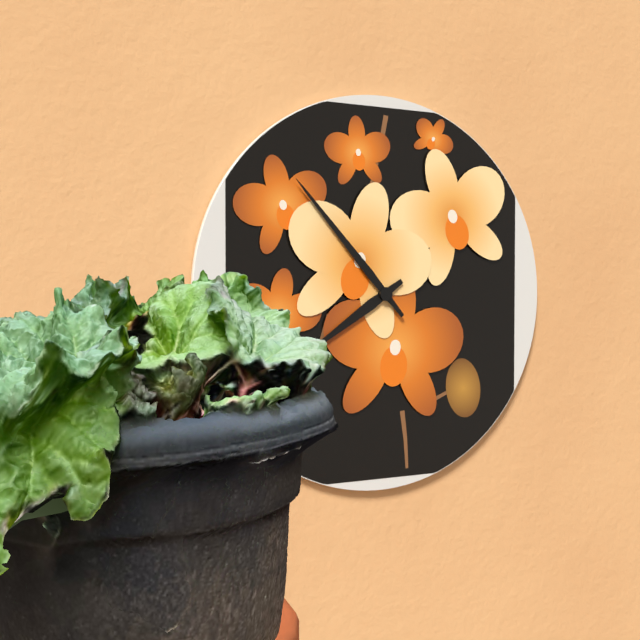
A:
h=7 m=53
